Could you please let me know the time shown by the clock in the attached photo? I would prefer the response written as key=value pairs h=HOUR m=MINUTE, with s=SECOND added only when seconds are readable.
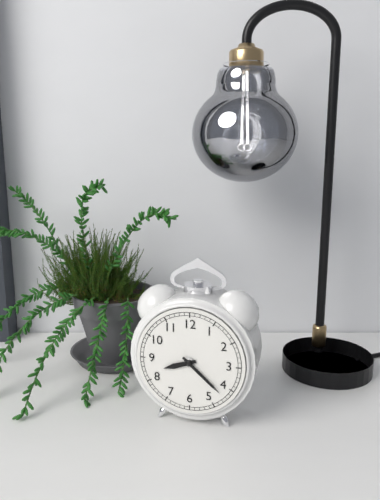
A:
h=8 m=22
